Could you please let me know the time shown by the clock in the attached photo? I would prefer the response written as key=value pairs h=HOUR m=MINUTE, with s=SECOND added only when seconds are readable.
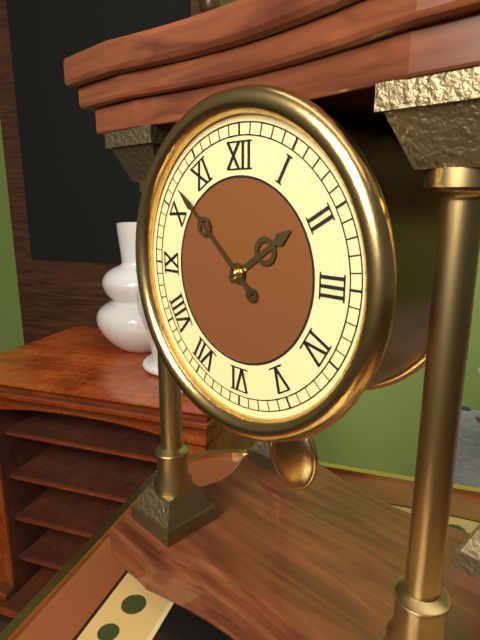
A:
h=1 m=52
